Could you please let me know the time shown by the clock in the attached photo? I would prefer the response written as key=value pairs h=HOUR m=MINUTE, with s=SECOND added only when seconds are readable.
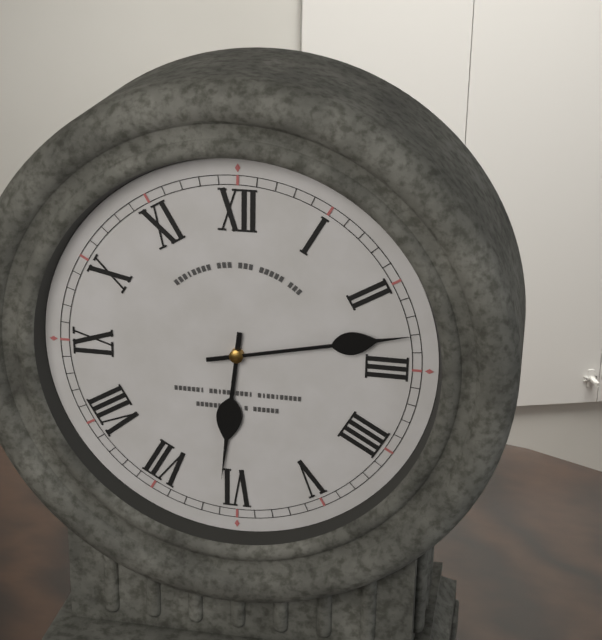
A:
h=6 m=13
